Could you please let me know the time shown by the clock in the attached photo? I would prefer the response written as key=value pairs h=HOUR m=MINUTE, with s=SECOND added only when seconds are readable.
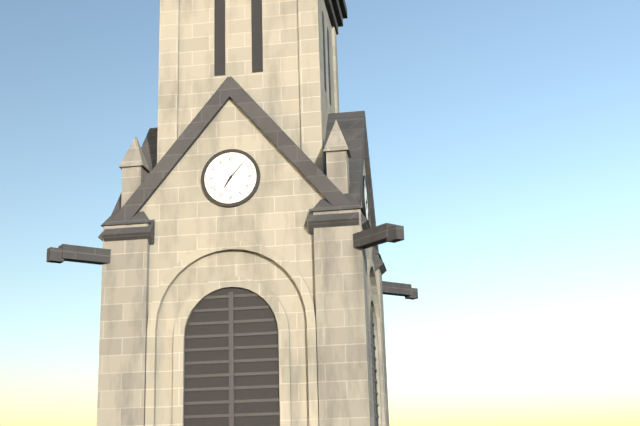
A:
h=7 m=7
